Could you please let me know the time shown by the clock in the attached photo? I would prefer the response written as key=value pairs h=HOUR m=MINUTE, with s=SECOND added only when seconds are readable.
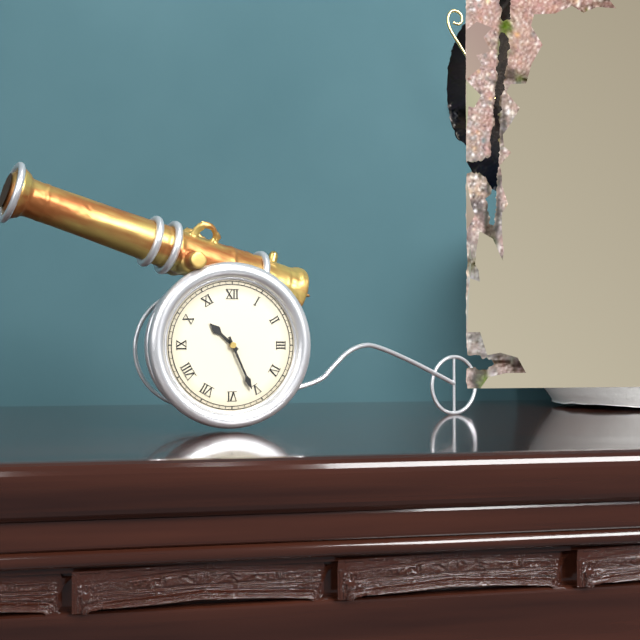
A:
h=10 m=26
